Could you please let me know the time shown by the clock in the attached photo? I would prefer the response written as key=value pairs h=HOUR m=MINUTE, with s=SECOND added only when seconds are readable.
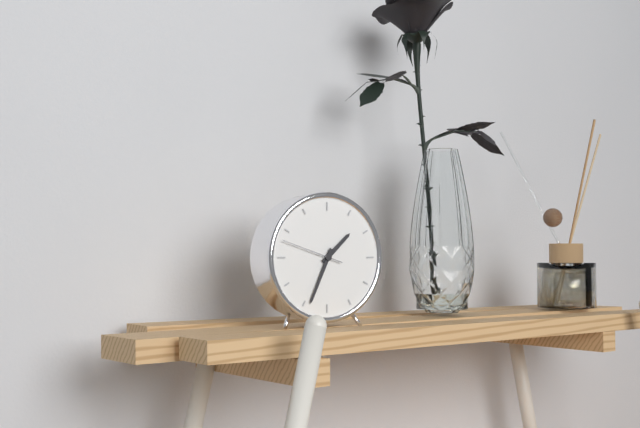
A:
h=1 m=34 s=48
